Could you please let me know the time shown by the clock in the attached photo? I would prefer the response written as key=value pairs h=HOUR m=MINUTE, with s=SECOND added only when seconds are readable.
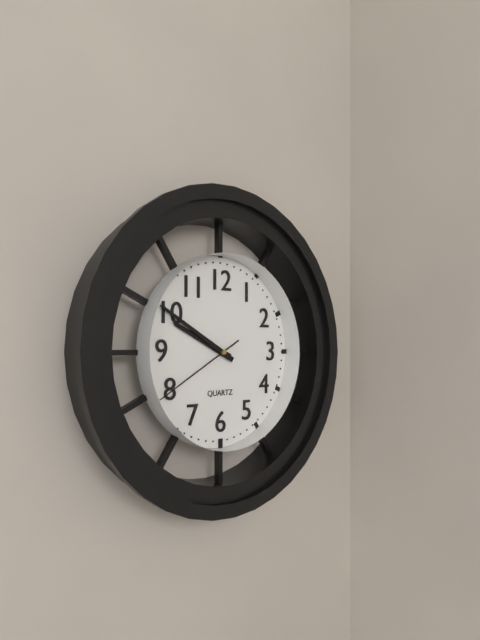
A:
h=9 m=50 s=40
